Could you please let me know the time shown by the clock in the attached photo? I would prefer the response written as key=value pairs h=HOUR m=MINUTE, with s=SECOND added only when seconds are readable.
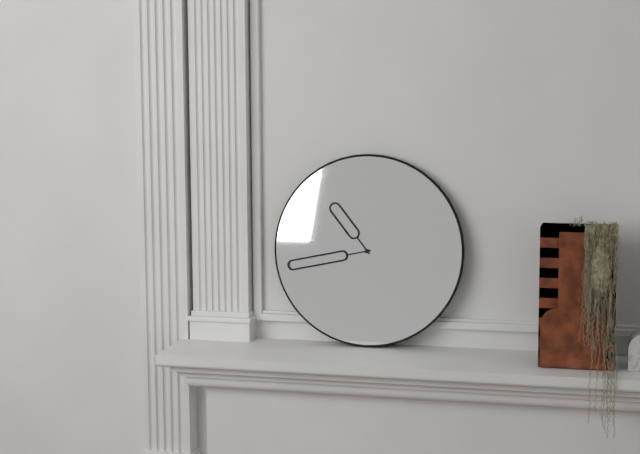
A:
h=10 m=43
